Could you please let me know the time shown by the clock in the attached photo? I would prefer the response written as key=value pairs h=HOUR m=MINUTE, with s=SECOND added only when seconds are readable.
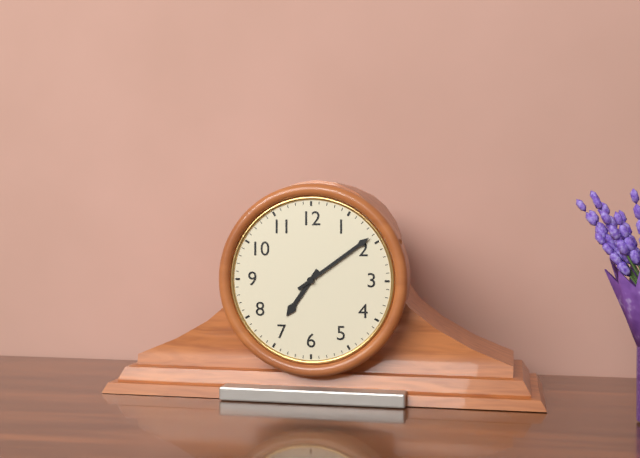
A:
h=7 m=9
